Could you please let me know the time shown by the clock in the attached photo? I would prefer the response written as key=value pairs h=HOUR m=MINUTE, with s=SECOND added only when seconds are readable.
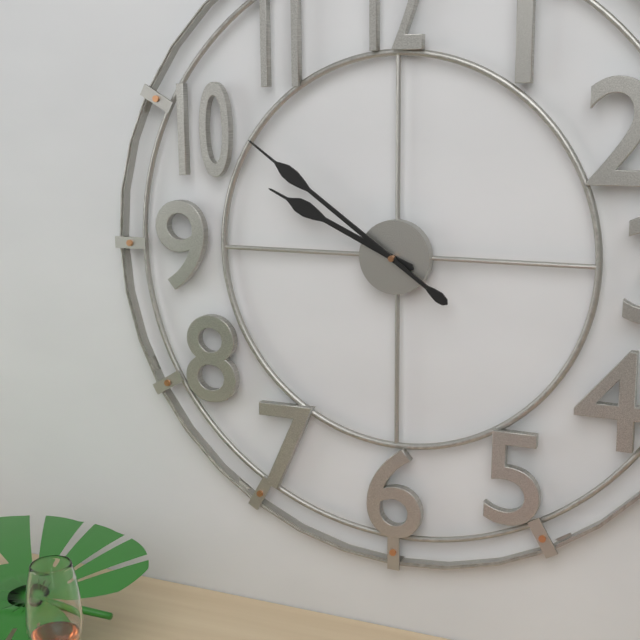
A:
h=9 m=51
